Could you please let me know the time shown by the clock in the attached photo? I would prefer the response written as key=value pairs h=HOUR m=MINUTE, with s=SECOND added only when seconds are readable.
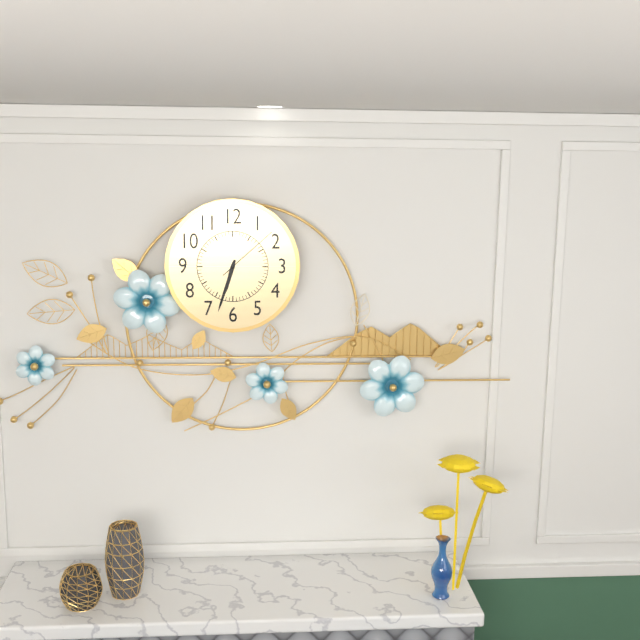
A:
h=6 m=33 s=8
